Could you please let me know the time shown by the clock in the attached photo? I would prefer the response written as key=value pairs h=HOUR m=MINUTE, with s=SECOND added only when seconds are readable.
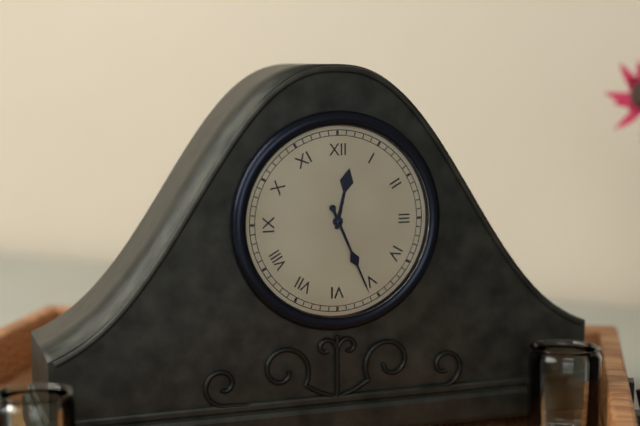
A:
h=12 m=26
